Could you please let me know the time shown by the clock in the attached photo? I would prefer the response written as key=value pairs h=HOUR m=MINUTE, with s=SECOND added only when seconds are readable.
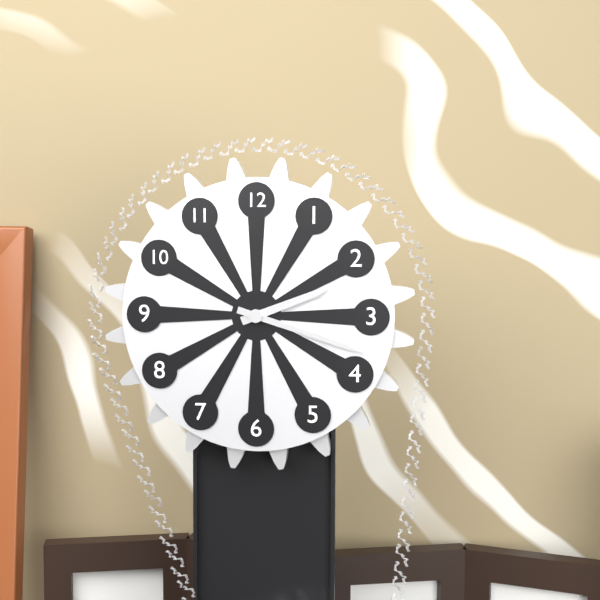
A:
h=2 m=18
